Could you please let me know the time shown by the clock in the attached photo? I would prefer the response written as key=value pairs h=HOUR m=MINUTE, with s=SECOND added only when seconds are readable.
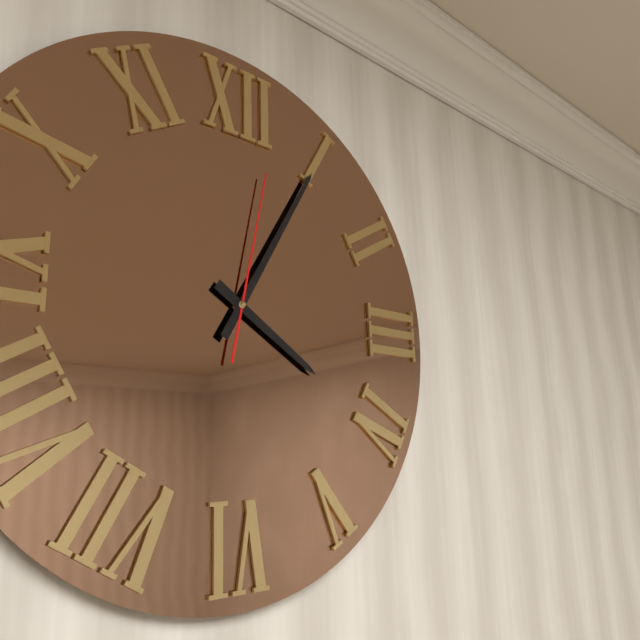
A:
h=4 m=5 s=2
